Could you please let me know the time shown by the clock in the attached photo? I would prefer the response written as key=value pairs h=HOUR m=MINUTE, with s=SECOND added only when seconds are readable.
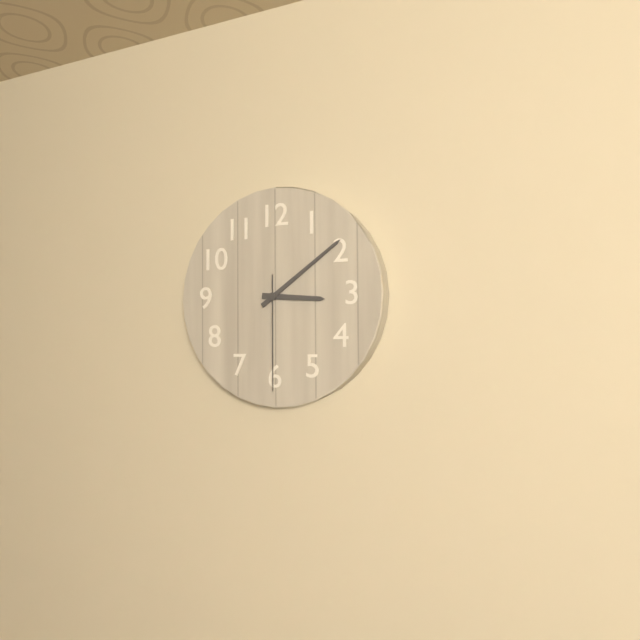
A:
h=3 m=9 s=30
